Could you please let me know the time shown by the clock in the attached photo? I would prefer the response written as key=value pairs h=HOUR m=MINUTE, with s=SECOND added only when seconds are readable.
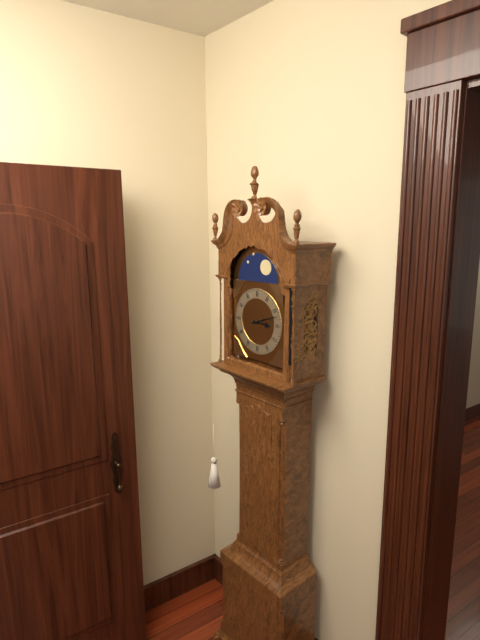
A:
h=3 m=12
